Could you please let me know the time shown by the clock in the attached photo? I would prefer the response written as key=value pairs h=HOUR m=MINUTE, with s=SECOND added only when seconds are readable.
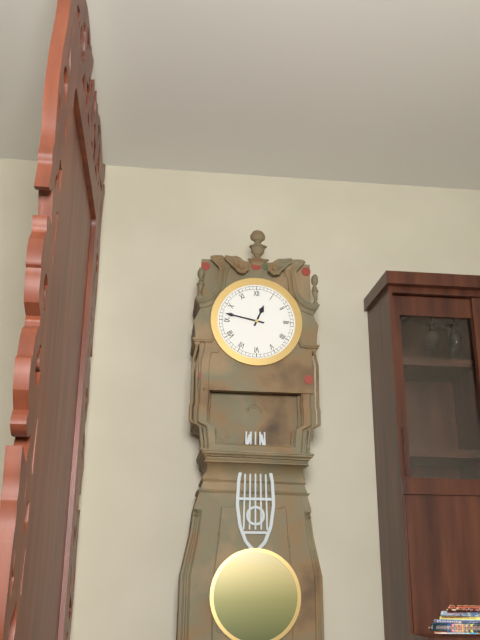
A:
h=12 m=47
